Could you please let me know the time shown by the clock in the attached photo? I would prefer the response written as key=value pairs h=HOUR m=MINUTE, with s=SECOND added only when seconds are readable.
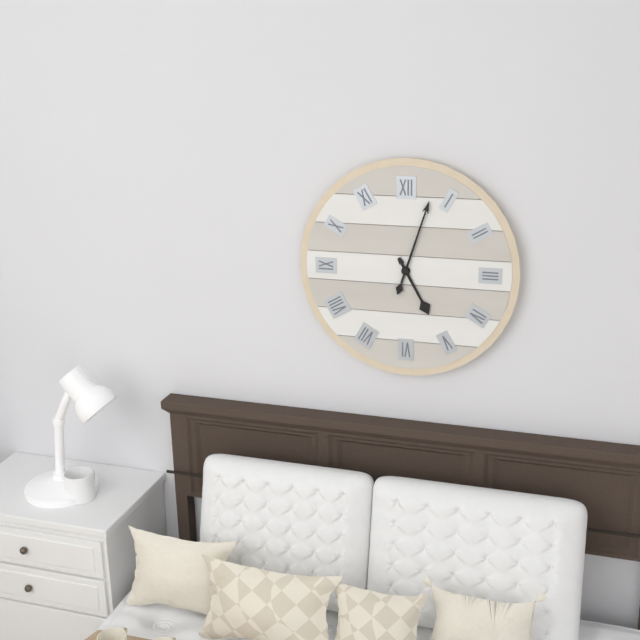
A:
h=5 m=3
